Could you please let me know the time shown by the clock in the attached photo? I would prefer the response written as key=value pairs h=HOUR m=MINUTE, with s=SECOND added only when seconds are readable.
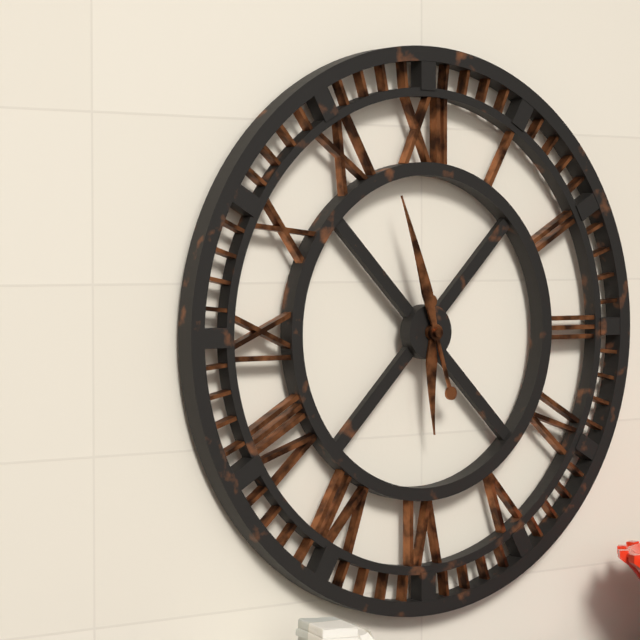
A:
h=5 m=57
